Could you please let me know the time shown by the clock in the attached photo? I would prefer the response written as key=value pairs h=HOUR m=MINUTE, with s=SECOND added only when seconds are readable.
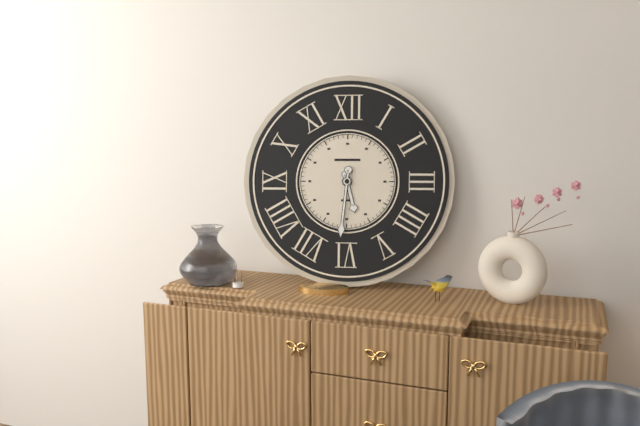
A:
h=5 m=31
